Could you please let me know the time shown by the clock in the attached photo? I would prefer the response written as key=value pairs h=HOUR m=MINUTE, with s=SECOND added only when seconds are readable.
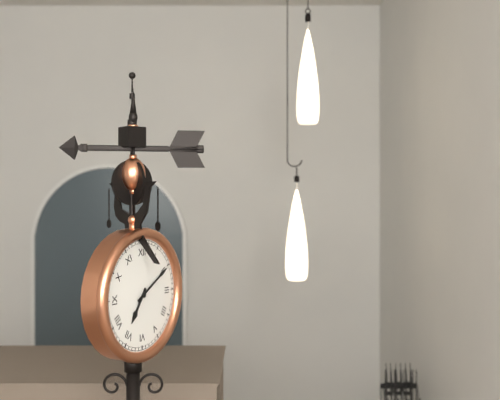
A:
h=7 m=10
